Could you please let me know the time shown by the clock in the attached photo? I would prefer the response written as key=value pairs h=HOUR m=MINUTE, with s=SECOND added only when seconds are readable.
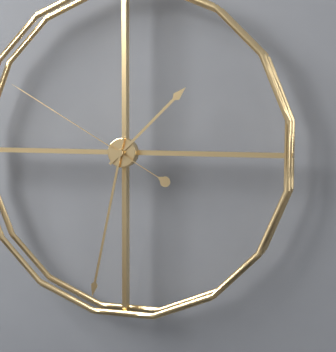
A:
h=1 m=32 s=50
